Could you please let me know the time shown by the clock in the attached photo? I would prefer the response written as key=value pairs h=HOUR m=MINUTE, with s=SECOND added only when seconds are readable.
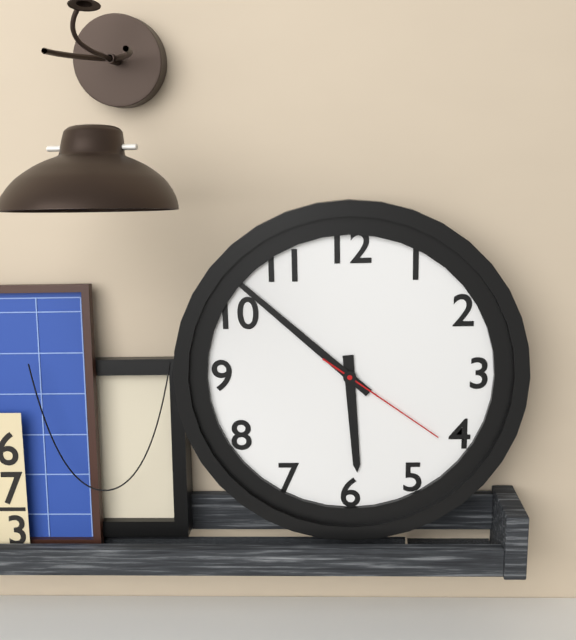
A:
h=5 m=52 s=21
